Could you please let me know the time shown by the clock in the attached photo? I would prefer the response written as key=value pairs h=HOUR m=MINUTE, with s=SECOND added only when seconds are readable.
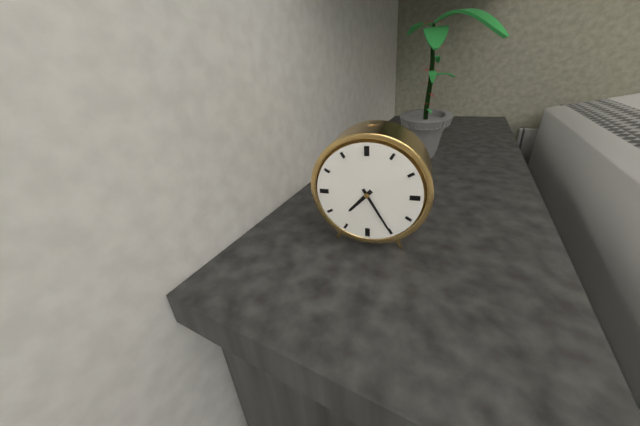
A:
h=7 m=25
